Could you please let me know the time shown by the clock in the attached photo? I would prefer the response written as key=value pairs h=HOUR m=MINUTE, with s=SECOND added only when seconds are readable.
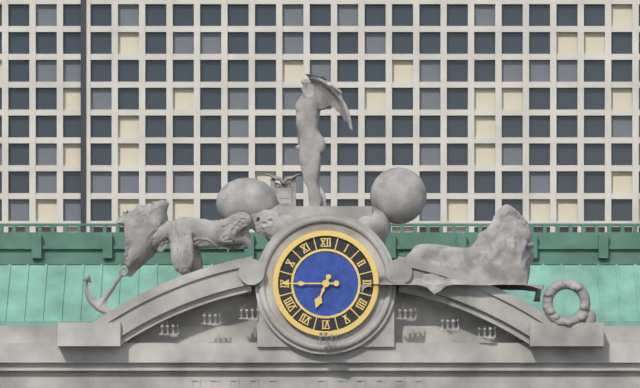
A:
h=6 m=45
